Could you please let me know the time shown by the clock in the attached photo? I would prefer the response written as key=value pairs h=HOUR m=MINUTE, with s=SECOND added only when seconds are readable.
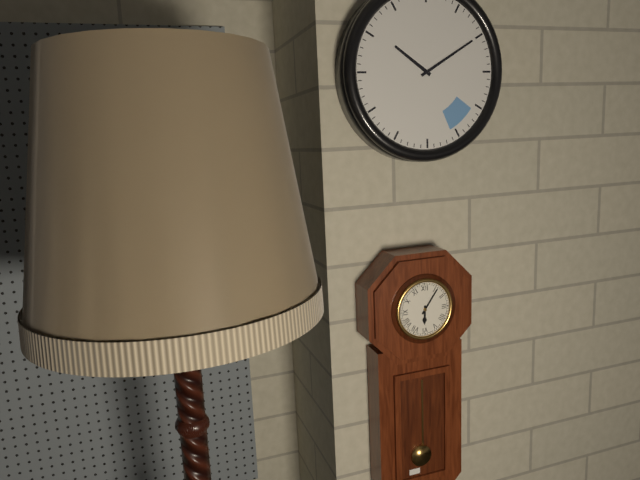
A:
h=6 m=6
